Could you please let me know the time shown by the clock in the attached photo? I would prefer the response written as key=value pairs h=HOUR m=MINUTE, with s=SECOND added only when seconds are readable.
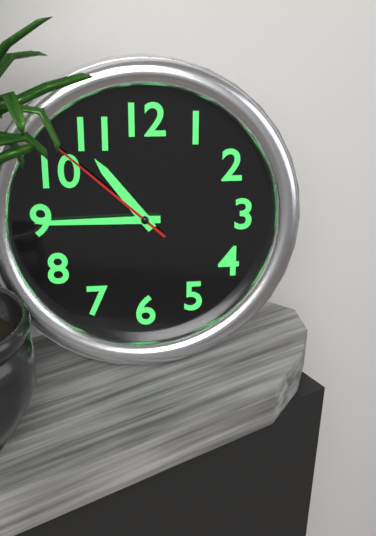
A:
h=10 m=45 s=52
